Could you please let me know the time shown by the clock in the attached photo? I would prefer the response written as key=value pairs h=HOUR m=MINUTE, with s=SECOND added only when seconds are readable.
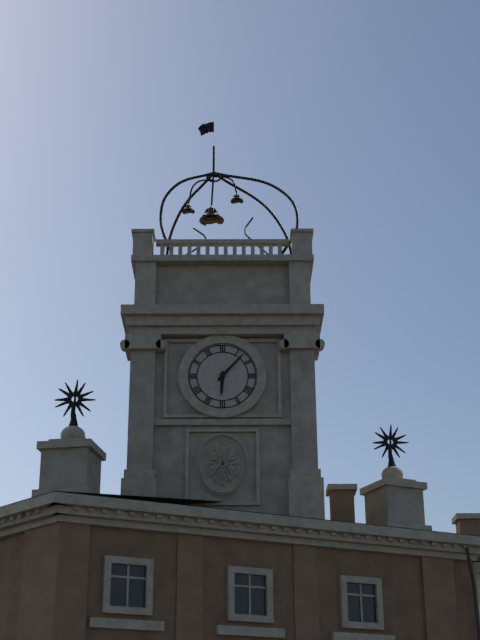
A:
h=6 m=7
